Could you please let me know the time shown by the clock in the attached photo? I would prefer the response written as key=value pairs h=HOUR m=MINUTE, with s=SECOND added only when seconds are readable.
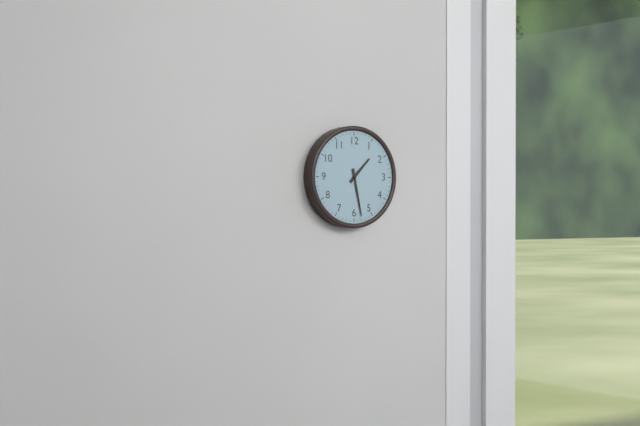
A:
h=1 m=28
